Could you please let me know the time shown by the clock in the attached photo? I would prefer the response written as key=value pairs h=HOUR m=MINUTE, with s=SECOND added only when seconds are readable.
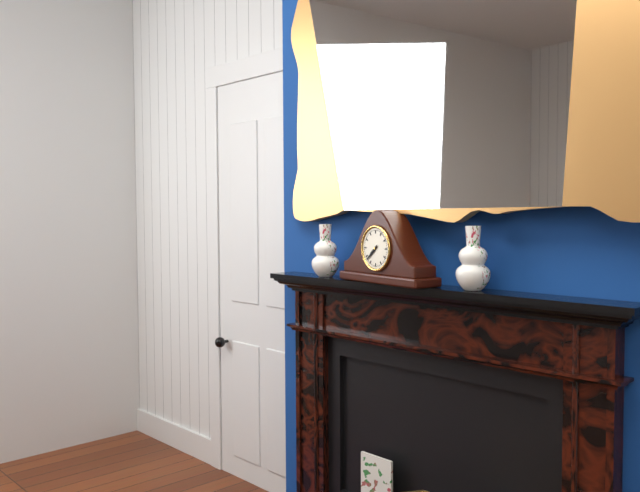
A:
h=7 m=38
